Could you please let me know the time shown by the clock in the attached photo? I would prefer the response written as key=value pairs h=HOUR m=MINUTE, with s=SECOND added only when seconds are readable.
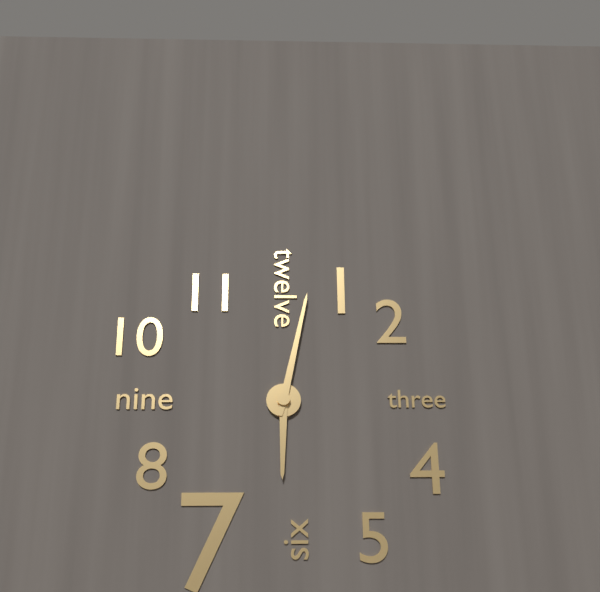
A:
h=6 m=2
